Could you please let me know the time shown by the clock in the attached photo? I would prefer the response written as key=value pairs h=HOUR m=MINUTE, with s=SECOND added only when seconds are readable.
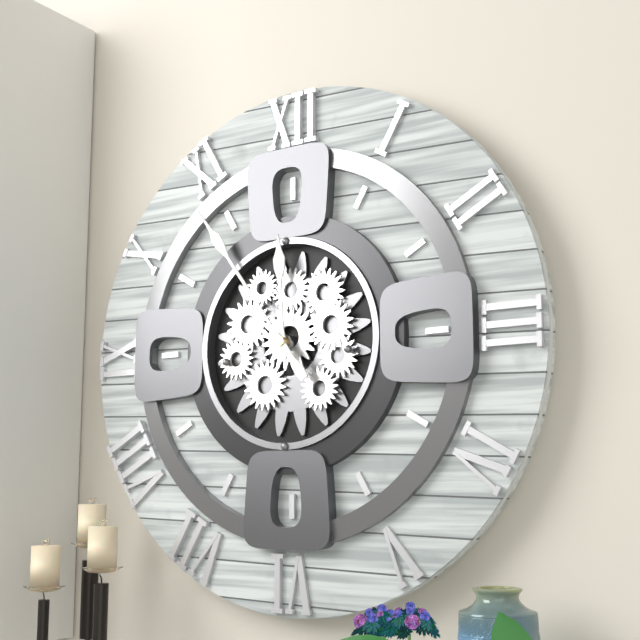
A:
h=11 m=54
